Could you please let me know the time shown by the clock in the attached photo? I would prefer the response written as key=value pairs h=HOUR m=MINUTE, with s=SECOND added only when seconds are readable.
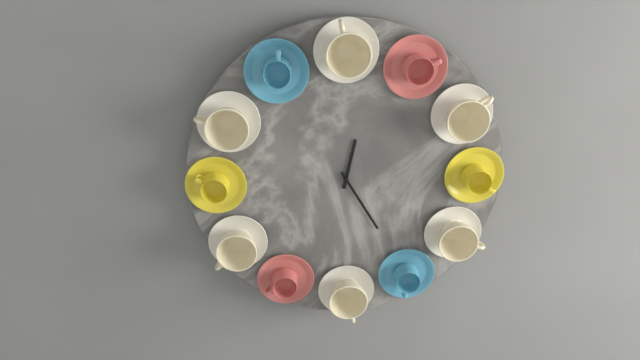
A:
h=12 m=25
